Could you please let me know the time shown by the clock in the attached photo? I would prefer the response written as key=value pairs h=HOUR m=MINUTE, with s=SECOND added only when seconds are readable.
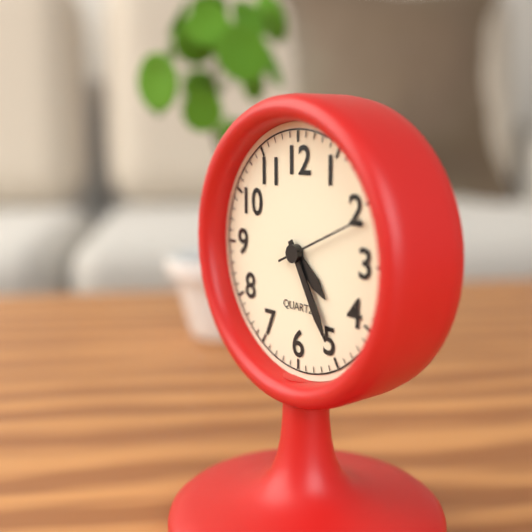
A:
h=4 m=25 s=11
